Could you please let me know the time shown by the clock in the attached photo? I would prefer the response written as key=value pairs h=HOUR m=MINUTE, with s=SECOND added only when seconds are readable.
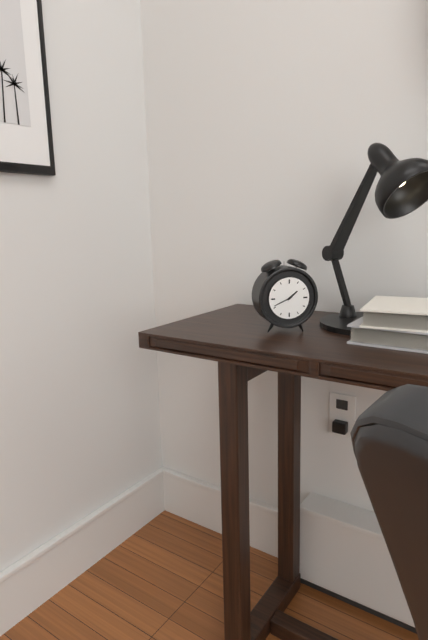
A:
h=1 m=41
